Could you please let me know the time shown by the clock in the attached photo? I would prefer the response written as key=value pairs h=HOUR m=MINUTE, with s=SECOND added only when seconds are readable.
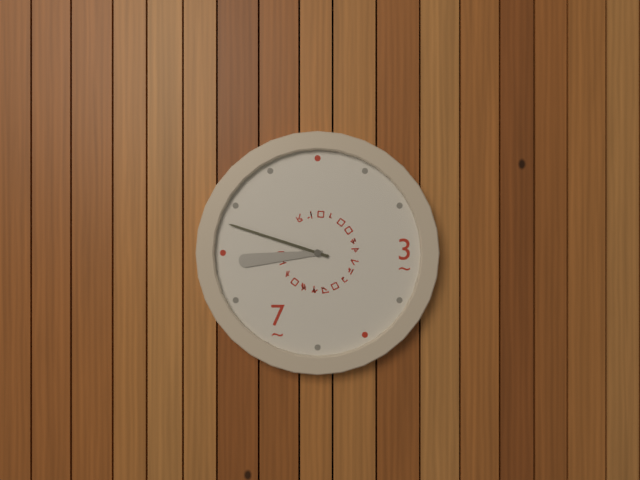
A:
h=8 m=48
